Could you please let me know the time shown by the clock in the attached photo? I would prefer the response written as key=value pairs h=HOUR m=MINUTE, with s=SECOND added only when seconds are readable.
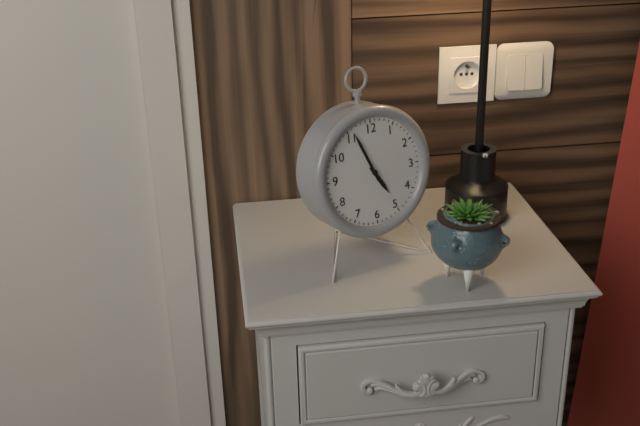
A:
h=4 m=56
